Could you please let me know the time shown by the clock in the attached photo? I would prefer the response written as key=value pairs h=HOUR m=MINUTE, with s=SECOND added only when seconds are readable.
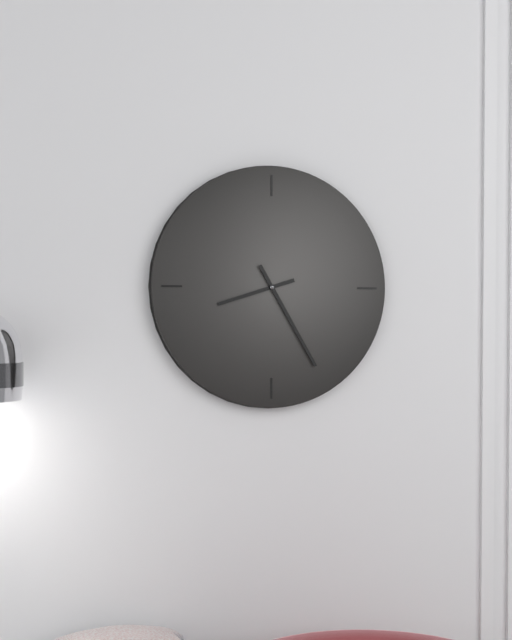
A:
h=8 m=25
